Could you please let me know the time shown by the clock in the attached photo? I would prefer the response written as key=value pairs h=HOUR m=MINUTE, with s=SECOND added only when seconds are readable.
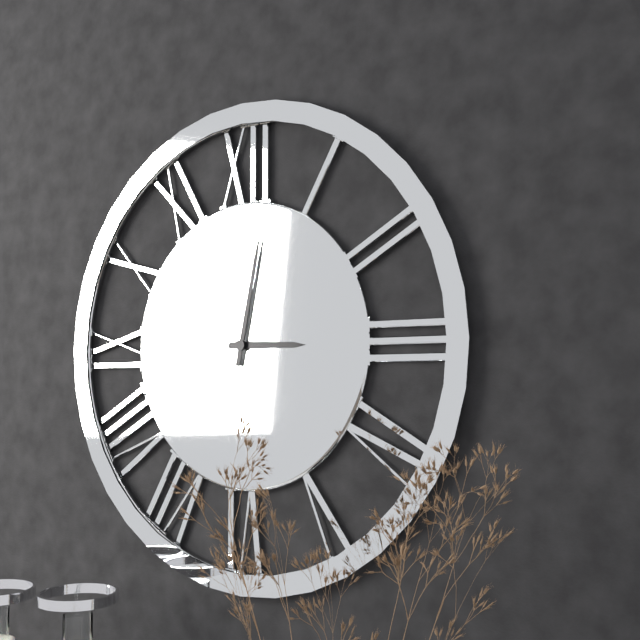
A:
h=3 m=2
